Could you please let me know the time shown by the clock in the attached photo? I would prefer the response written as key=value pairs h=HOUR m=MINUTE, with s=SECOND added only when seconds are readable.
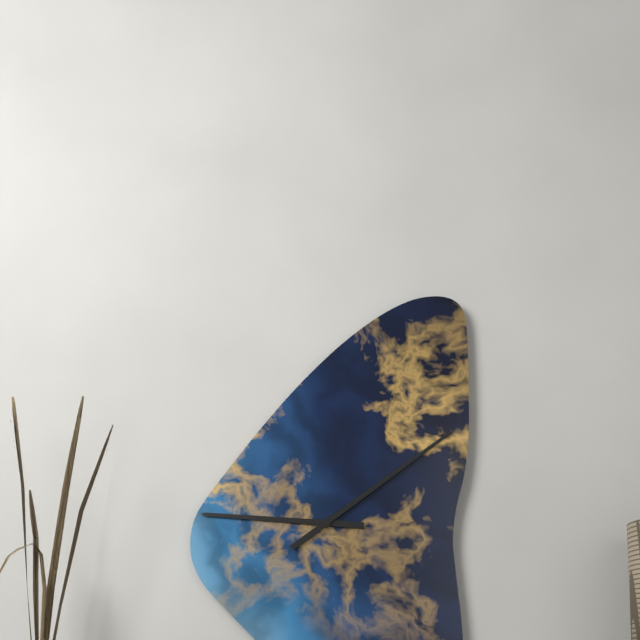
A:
h=9 m=9
